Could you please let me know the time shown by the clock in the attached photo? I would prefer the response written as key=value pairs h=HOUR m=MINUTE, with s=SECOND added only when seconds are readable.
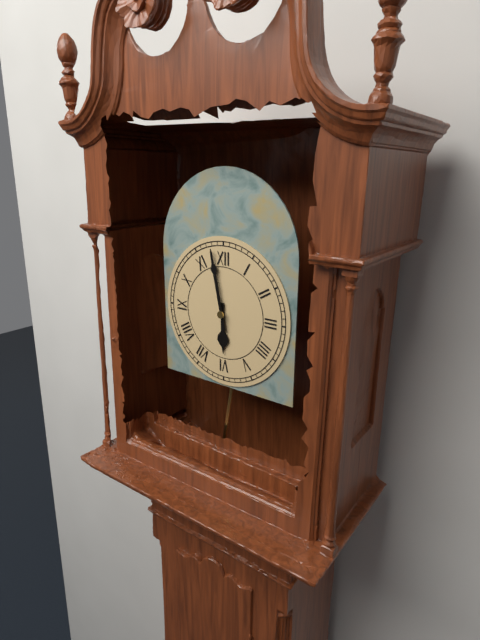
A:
h=5 m=58
